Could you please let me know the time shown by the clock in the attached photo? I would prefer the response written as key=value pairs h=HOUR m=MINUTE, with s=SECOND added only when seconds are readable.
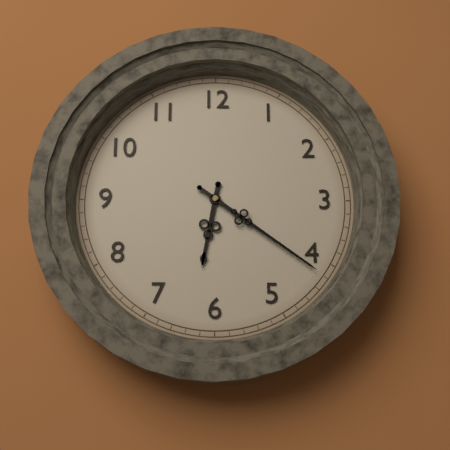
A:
h=6 m=21
